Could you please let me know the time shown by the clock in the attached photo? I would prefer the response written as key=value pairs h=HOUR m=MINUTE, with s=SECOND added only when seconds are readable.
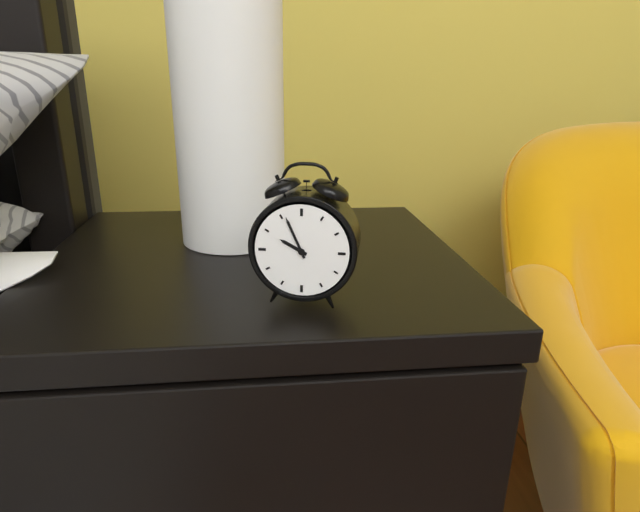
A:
h=9 m=56
